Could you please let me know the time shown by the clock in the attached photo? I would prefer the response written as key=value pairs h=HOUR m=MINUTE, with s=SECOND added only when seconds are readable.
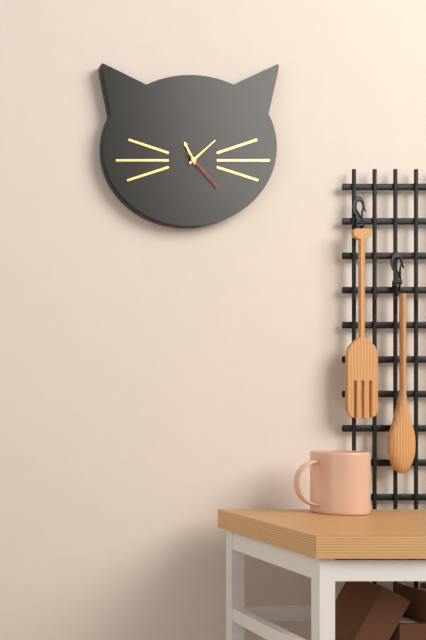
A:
h=11 m=8
